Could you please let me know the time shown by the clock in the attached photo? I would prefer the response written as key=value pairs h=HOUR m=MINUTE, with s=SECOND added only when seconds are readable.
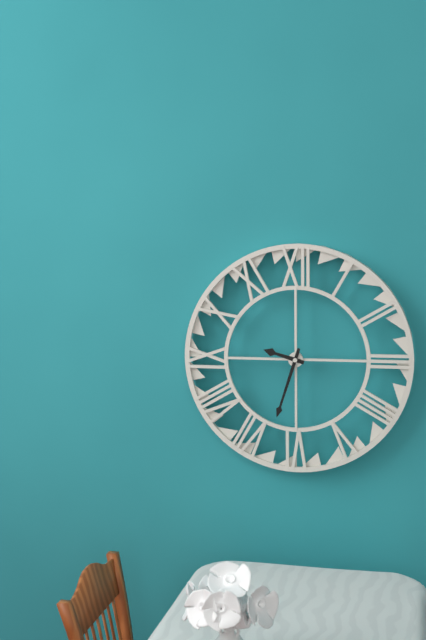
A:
h=9 m=33
